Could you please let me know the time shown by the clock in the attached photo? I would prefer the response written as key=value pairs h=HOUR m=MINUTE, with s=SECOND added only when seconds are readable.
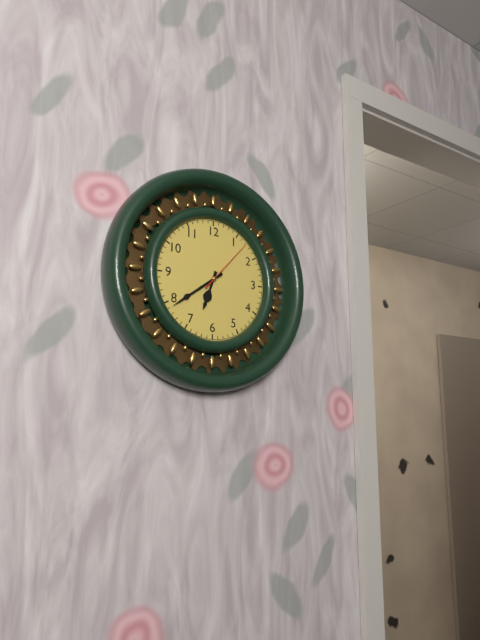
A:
h=6 m=39 s=7
